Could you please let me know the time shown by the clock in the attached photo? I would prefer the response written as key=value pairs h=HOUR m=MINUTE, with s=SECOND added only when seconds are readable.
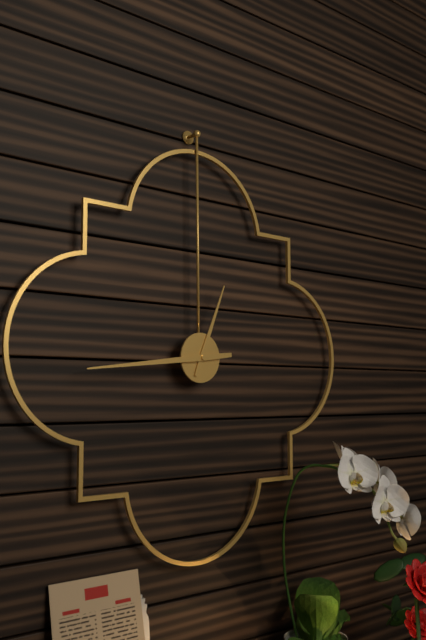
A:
h=12 m=44
